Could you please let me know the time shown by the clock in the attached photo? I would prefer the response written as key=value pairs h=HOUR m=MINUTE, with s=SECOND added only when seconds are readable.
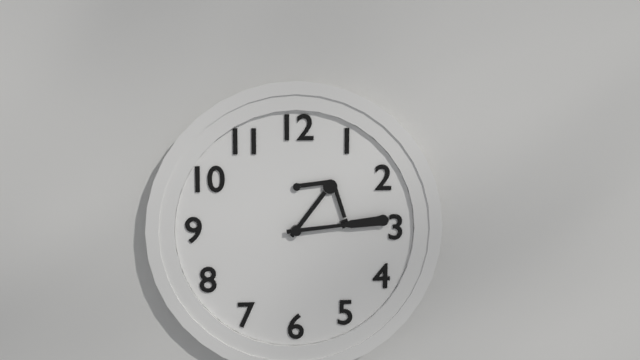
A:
h=1 m=14
